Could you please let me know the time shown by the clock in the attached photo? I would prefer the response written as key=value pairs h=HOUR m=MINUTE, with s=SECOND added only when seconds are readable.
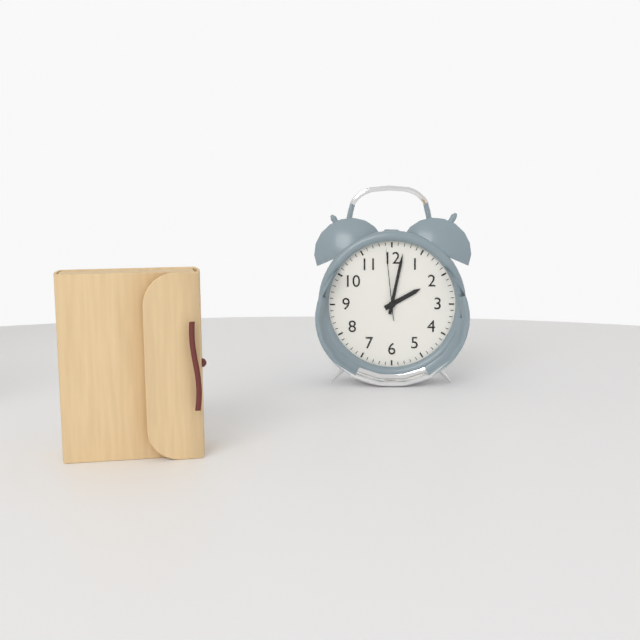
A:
h=2 m=2 s=59
